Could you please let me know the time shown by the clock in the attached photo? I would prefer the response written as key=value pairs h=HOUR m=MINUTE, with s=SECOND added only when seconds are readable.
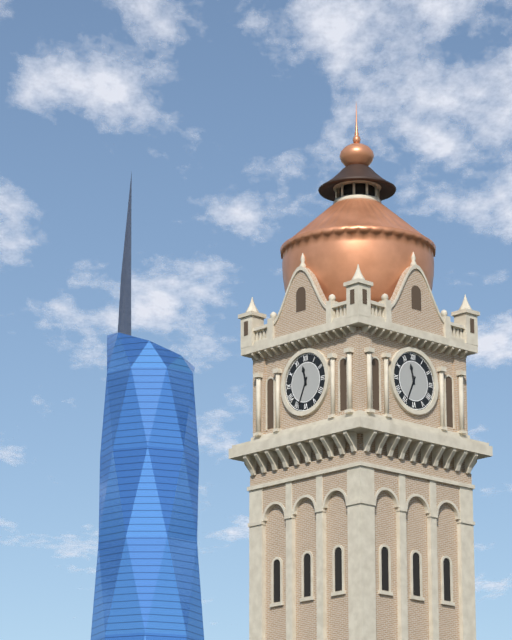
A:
h=11 m=34
